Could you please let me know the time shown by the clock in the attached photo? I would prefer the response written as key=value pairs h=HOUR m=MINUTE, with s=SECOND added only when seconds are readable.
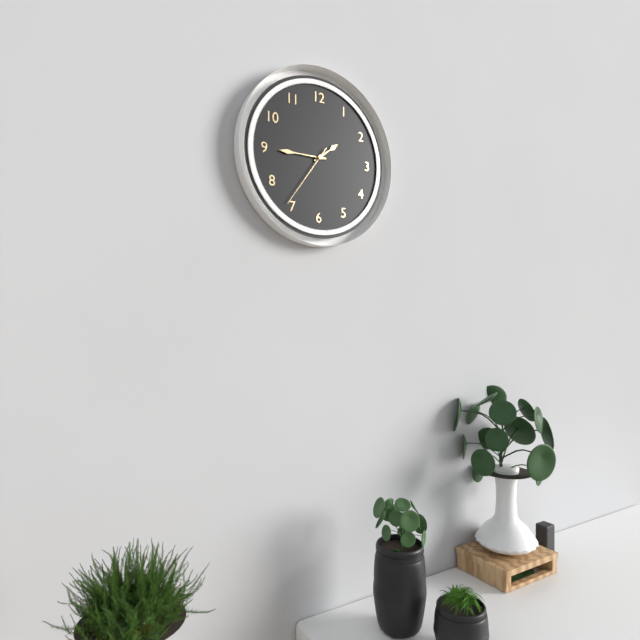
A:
h=1 m=45 s=36
